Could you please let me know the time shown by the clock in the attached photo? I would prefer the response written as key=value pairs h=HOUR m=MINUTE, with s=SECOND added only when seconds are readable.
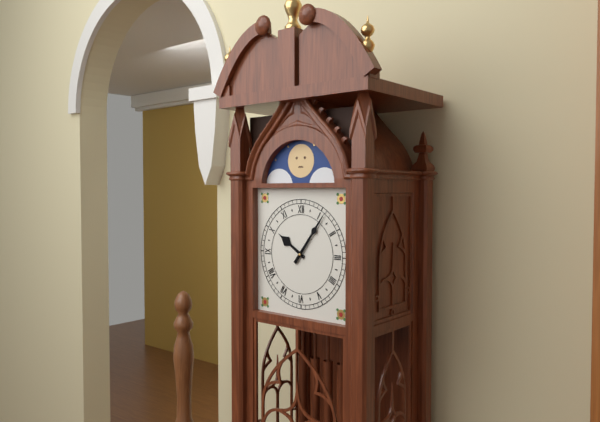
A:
h=10 m=6
